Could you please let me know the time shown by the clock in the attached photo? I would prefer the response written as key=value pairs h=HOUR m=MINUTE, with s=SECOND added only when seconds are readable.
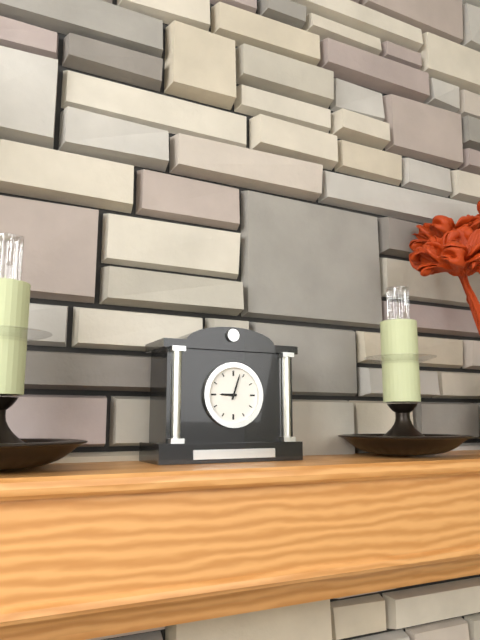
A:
h=9 m=3
